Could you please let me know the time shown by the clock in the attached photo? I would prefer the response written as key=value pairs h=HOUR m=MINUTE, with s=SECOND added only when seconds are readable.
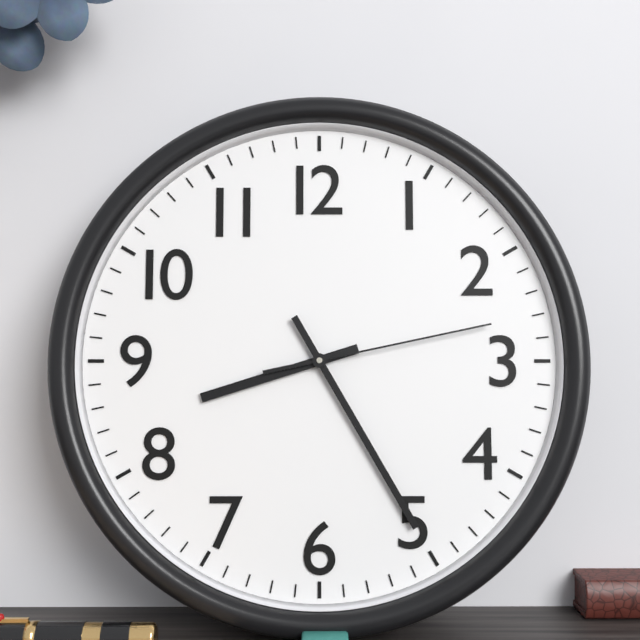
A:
h=8 m=25 s=13
